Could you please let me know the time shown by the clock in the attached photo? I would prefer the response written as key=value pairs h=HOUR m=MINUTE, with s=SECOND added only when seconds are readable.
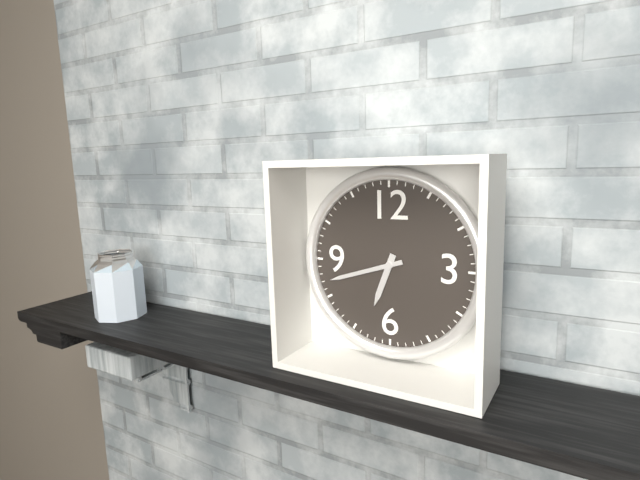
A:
h=6 m=42
